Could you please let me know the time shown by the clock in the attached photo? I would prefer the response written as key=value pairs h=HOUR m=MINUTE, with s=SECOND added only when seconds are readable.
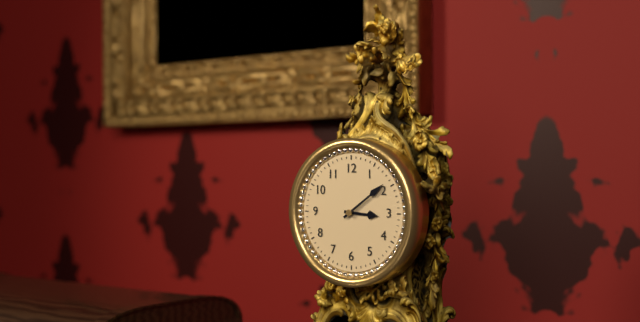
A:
h=3 m=9
